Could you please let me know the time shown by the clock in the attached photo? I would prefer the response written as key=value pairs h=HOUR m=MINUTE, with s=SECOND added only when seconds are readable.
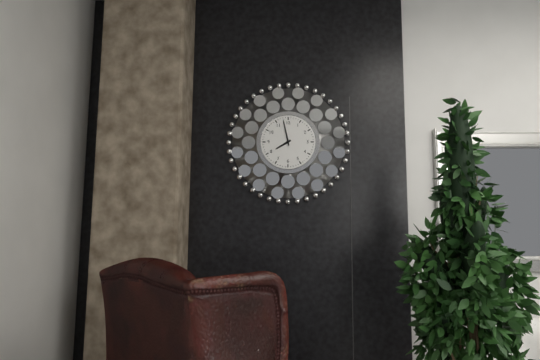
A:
h=7 m=58
